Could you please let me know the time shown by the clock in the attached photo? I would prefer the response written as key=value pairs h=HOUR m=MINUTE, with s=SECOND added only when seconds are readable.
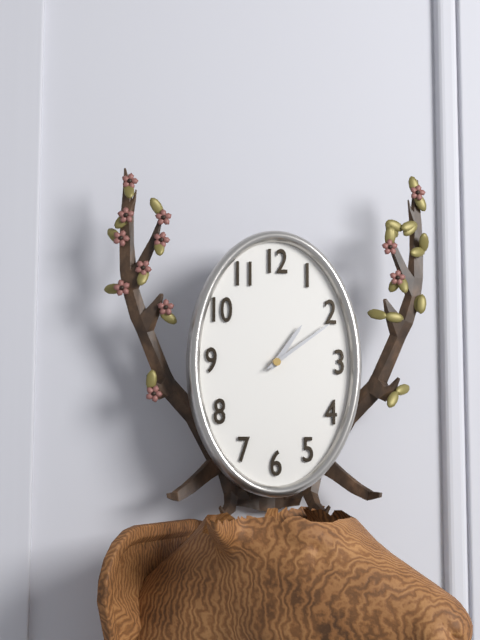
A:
h=1 m=9
